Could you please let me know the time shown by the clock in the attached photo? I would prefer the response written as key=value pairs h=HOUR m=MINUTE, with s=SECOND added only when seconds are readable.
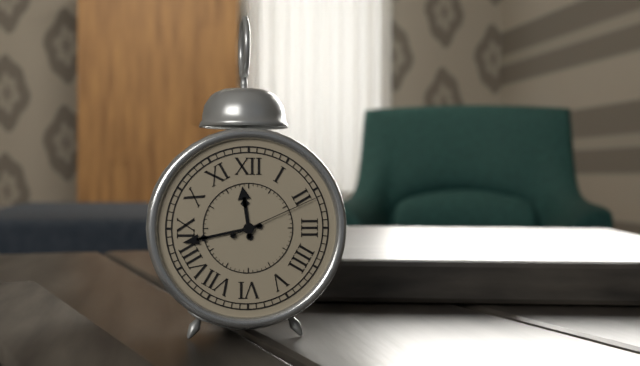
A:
h=11 m=43 s=11
